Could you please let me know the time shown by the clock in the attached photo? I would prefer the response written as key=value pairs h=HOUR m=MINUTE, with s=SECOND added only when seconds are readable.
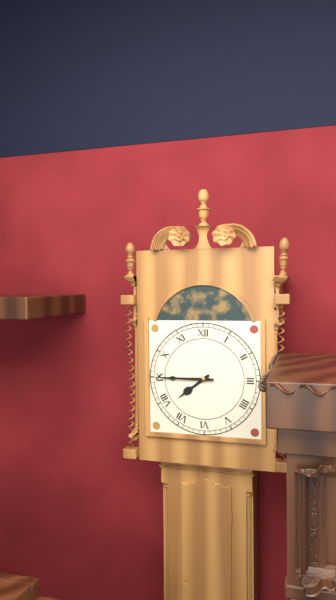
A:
h=7 m=45
